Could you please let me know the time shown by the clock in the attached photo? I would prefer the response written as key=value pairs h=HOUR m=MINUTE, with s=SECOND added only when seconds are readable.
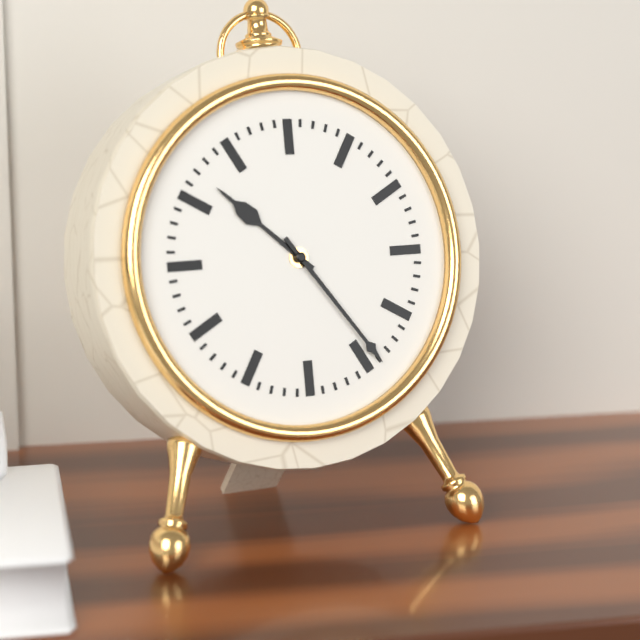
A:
h=10 m=24
